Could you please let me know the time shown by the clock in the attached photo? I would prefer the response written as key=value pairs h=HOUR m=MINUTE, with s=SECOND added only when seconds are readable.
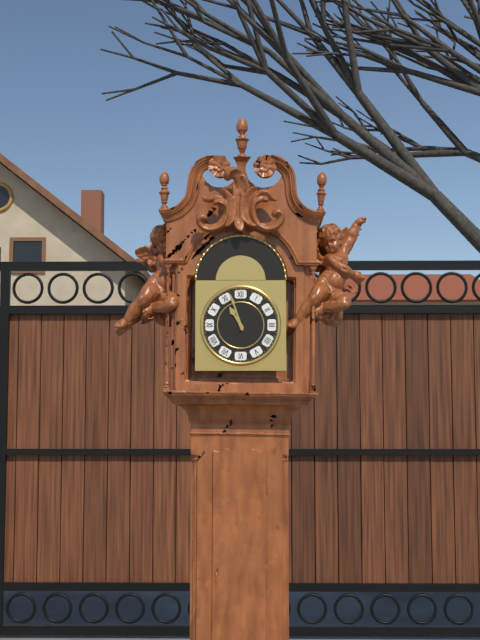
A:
h=10 m=57
